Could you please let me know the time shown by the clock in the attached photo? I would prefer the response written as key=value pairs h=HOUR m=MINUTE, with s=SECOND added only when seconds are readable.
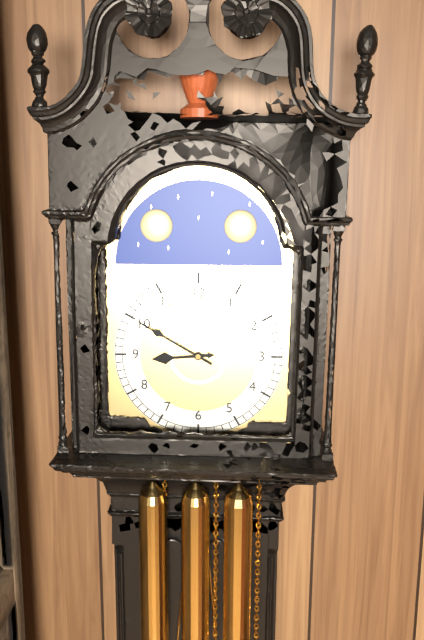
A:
h=8 m=50
